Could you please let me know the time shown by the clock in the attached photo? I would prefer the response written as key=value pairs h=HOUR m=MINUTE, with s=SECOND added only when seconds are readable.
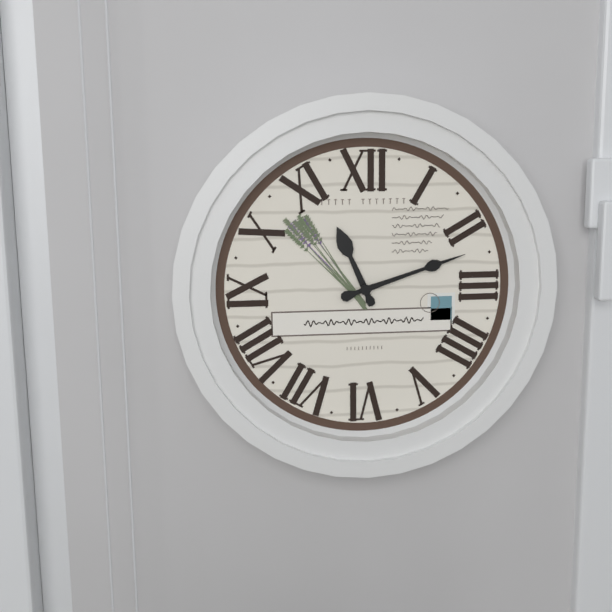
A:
h=11 m=12
